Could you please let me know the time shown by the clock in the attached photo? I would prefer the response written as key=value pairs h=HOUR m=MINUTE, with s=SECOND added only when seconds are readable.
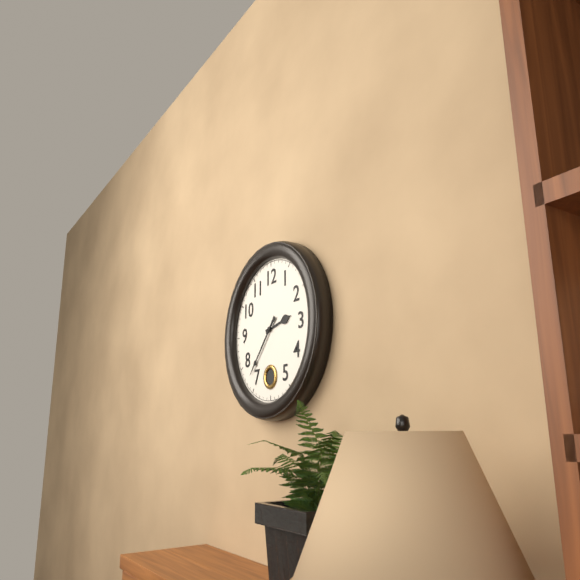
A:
h=2 m=37
